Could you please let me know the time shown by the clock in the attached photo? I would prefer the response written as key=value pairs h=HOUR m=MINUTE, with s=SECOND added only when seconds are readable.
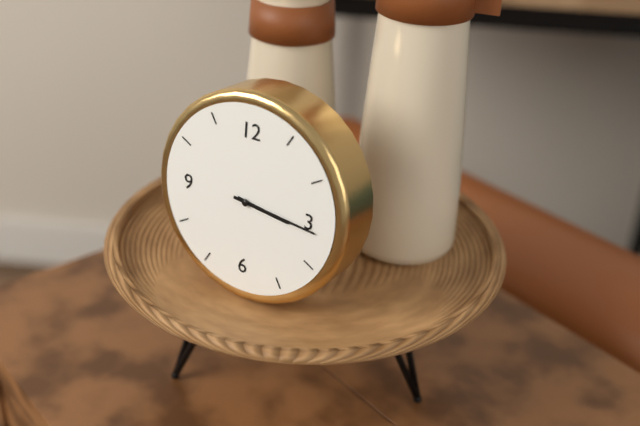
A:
h=3 m=16
